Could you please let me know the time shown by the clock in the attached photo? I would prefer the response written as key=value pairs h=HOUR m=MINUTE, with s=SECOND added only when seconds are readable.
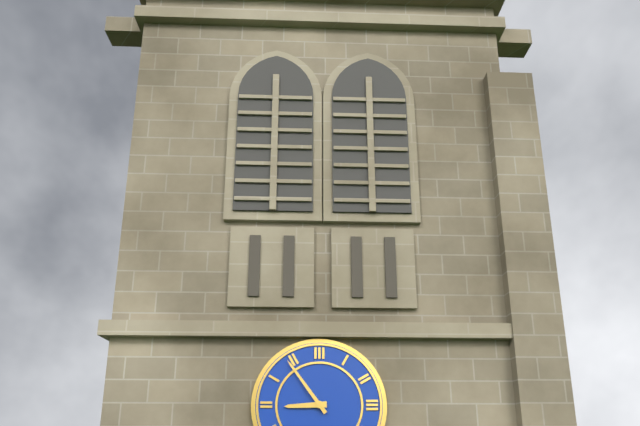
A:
h=8 m=54
